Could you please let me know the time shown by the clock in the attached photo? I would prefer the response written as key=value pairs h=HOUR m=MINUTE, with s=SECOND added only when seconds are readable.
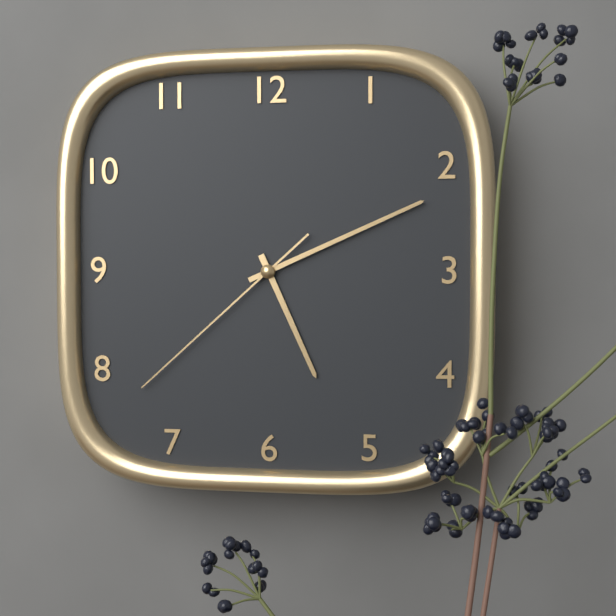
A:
h=5 m=11 s=38
